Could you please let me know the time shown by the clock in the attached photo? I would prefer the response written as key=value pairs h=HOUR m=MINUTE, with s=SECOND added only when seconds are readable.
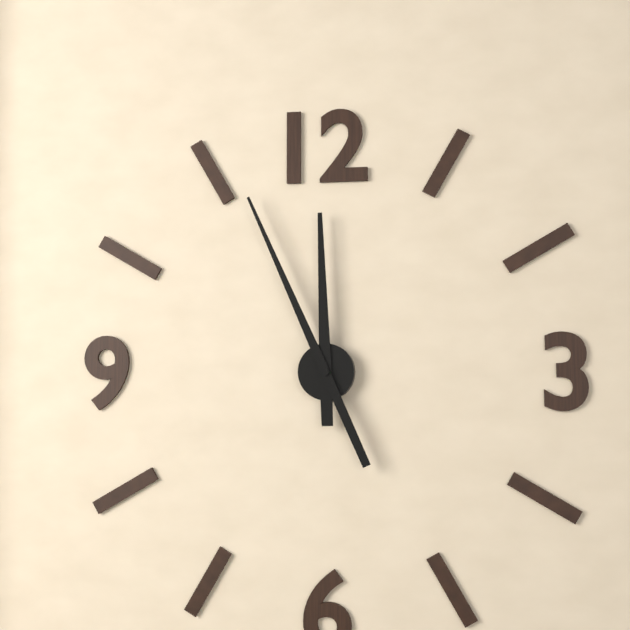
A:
h=11 m=56
